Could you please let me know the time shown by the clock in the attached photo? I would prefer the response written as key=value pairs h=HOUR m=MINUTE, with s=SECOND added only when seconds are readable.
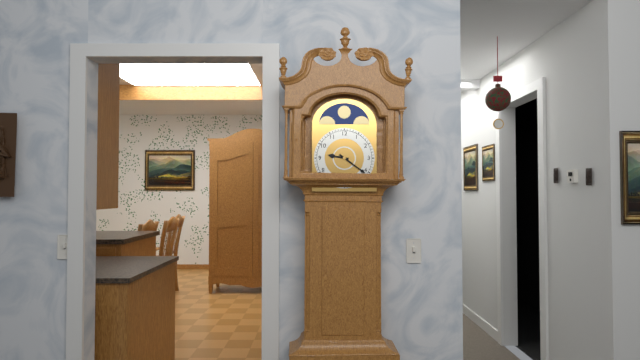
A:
h=9 m=21
